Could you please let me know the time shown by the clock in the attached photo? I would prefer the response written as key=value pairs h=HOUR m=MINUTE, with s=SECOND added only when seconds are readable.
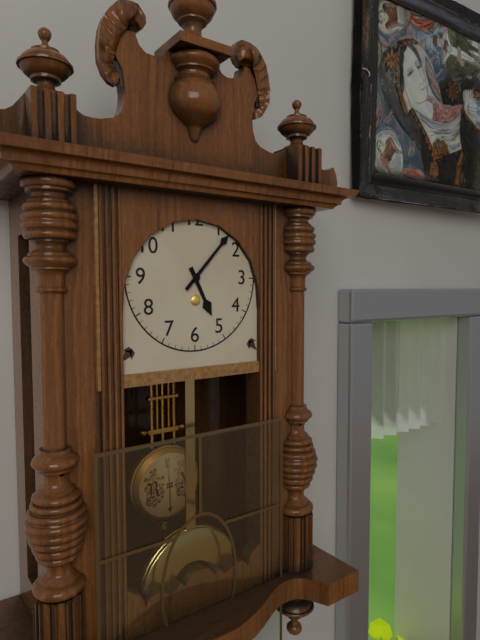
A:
h=5 m=7
